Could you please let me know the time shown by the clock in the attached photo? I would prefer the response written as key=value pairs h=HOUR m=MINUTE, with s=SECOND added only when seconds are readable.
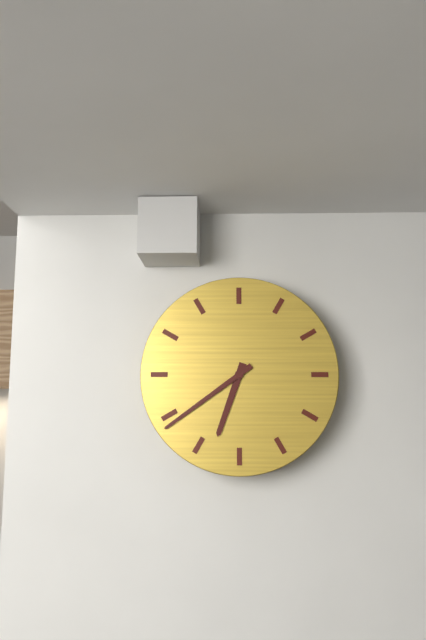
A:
h=6 m=39
